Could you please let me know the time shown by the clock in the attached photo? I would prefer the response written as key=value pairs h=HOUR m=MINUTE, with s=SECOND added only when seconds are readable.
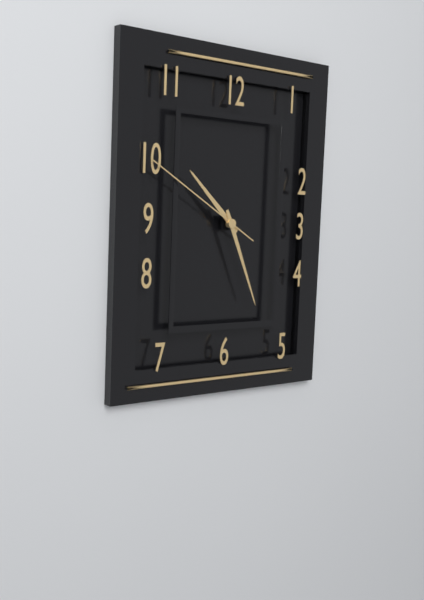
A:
h=10 m=26 s=50
